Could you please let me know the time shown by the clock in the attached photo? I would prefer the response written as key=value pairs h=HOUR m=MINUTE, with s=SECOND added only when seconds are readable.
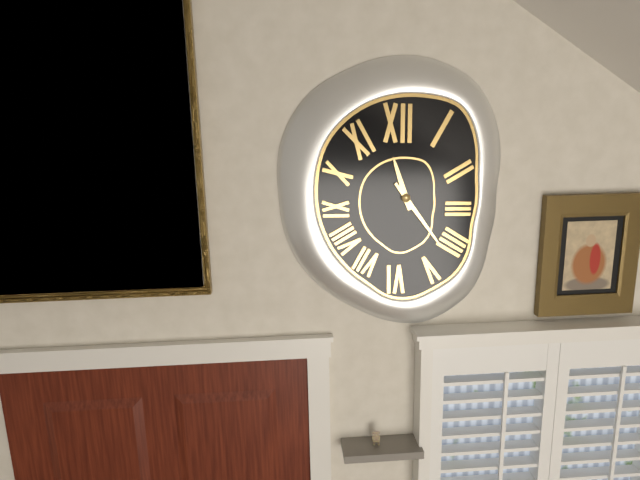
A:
h=11 m=24
